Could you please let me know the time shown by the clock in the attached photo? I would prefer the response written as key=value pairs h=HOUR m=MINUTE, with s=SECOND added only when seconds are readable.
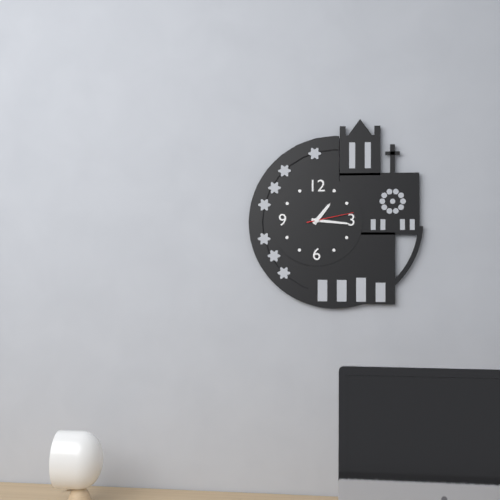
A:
h=1 m=16
